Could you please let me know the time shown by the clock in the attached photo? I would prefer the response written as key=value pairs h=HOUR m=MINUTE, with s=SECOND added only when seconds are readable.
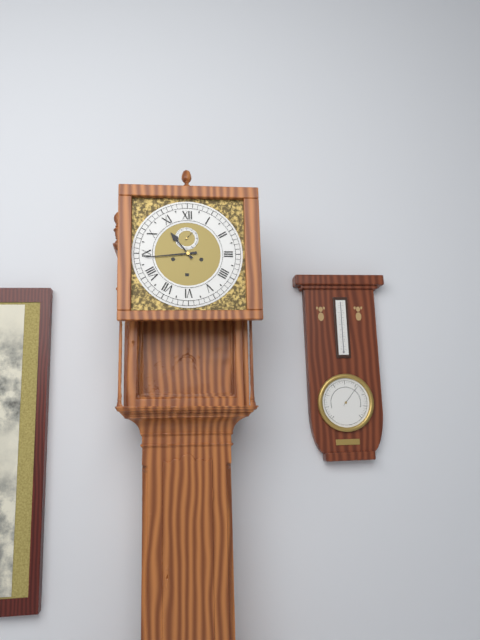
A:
h=10 m=44
